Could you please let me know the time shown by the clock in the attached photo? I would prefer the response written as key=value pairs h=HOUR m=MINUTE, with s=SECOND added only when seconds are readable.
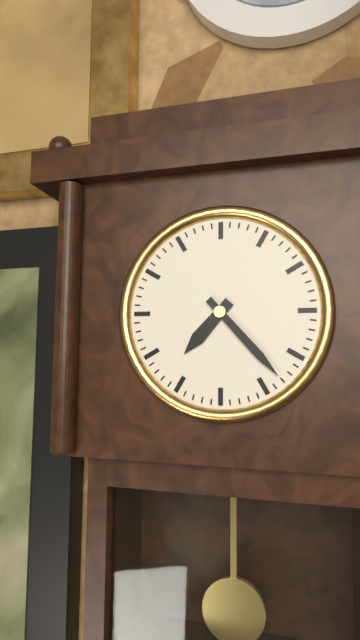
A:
h=7 m=23
